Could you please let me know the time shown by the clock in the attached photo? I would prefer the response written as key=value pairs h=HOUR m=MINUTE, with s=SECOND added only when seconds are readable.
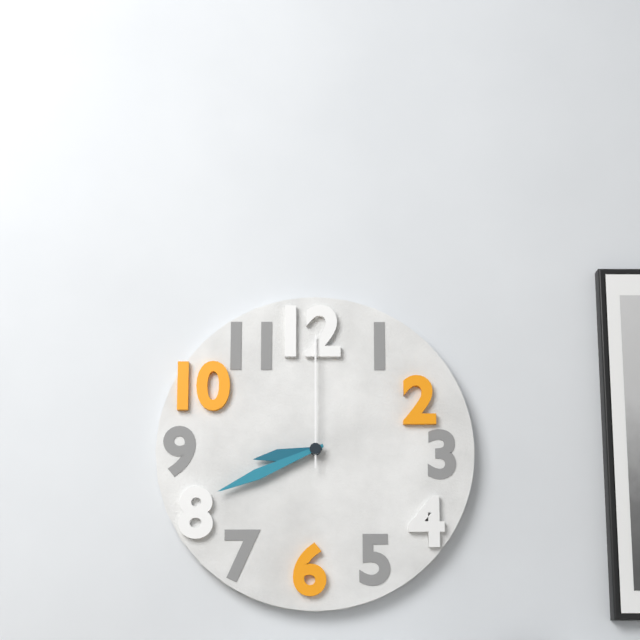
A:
h=8 m=41 s=0
